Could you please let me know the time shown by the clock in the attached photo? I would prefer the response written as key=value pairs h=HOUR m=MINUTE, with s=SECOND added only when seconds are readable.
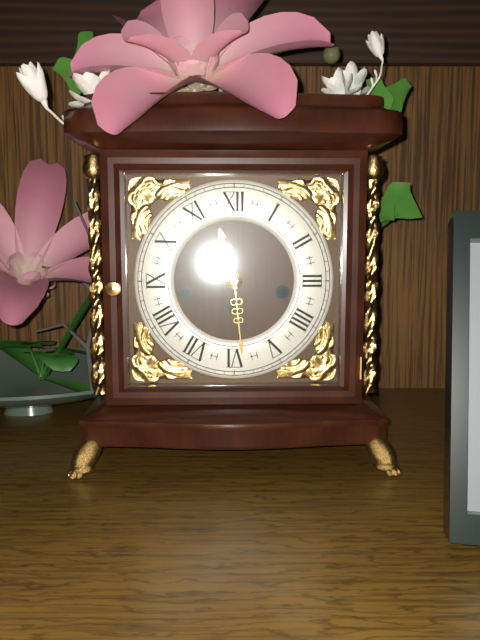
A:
h=11 m=29
